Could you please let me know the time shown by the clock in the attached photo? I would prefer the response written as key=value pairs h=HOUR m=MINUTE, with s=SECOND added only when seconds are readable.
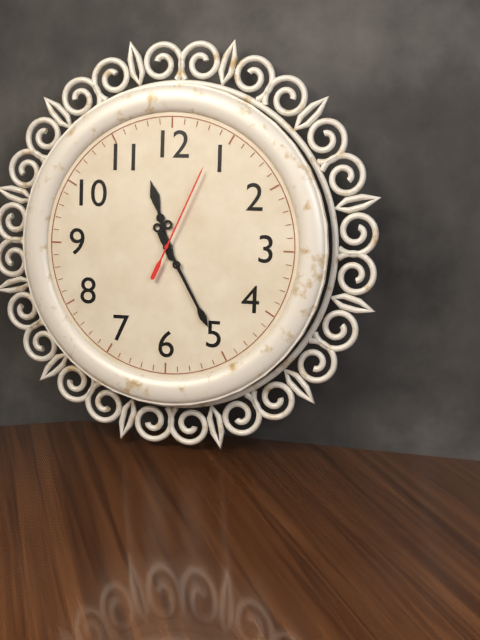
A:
h=11 m=25 s=4
